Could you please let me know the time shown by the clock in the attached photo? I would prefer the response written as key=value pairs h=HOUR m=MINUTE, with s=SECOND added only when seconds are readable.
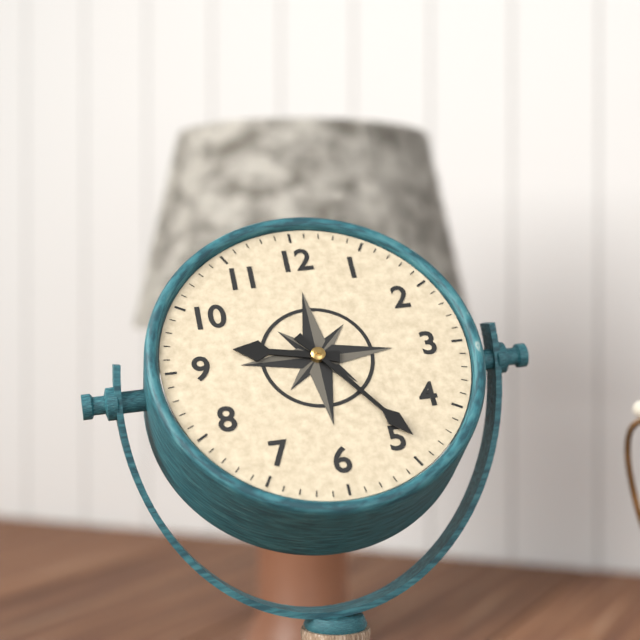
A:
h=9 m=24
